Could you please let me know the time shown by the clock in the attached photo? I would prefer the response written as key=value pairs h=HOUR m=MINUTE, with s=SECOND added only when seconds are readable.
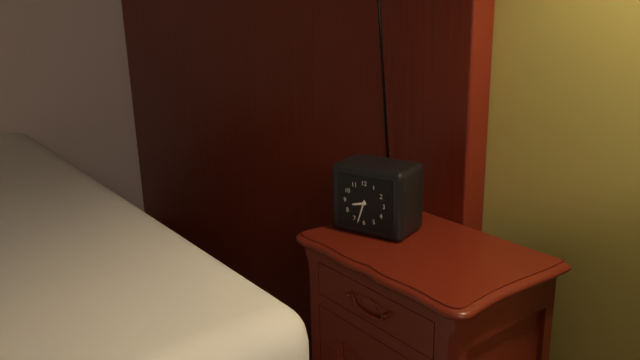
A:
h=8 m=33
